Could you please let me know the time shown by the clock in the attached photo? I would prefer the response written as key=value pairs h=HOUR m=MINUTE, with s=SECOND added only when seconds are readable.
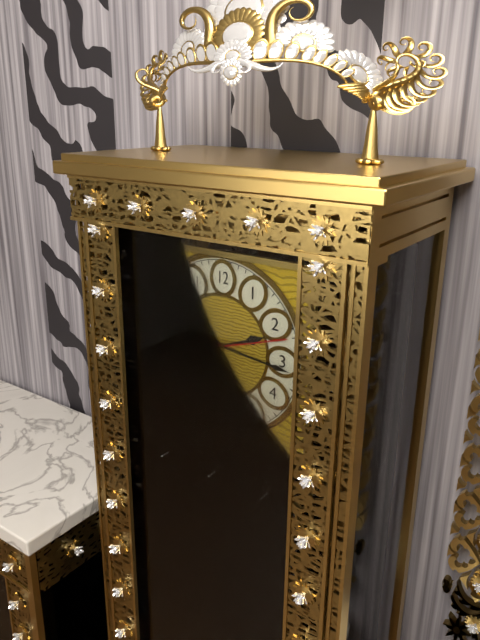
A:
h=2 m=16 s=12
